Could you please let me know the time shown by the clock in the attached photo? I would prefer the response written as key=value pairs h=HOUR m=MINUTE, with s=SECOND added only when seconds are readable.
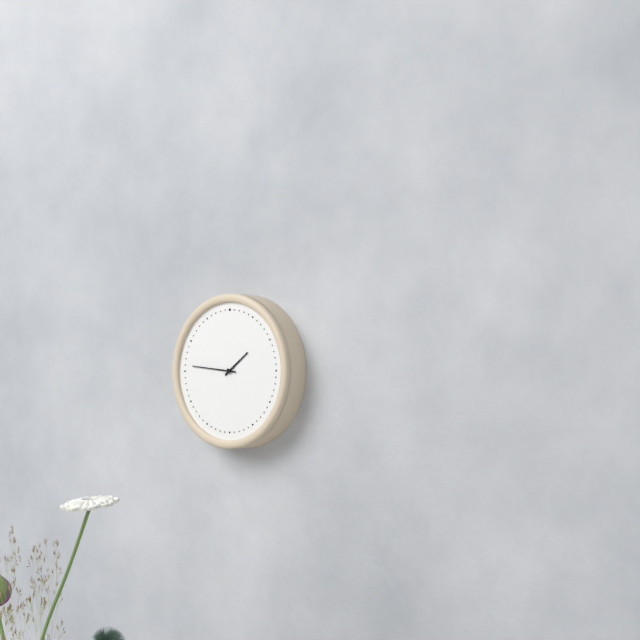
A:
h=1 m=46
